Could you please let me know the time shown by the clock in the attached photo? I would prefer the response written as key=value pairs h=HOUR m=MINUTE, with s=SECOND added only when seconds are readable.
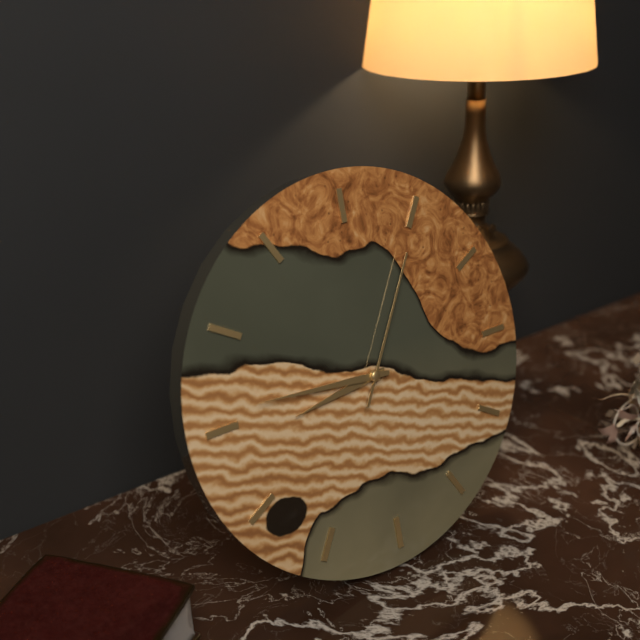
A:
h=8 m=46 s=5
